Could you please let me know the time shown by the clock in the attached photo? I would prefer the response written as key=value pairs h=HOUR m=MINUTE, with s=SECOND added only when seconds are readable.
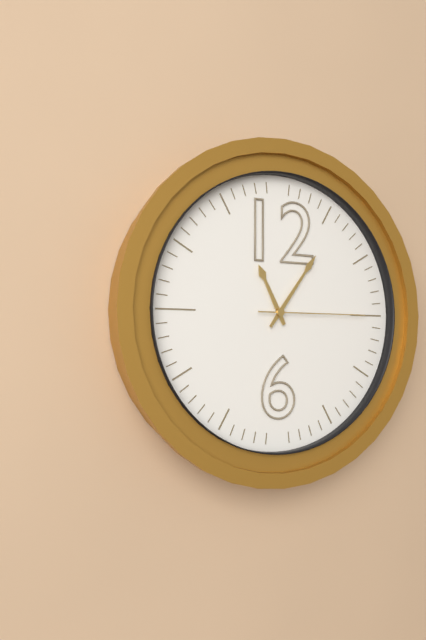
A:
h=11 m=6 s=15
